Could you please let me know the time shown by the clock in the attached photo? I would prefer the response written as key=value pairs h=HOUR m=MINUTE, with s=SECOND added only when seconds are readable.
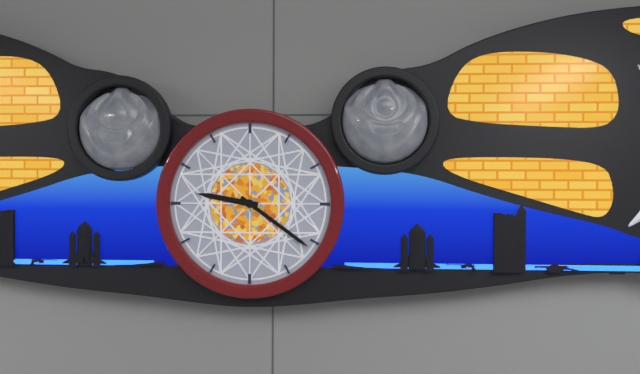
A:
h=9 m=21
